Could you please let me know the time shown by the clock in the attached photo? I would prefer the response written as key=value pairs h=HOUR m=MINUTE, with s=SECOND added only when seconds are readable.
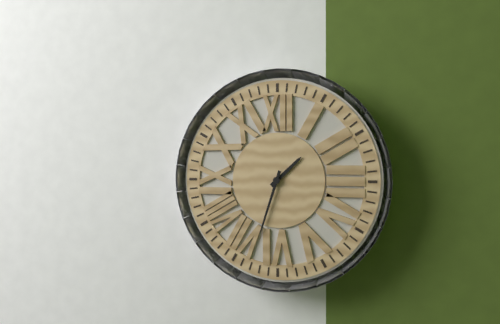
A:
h=1 m=33
